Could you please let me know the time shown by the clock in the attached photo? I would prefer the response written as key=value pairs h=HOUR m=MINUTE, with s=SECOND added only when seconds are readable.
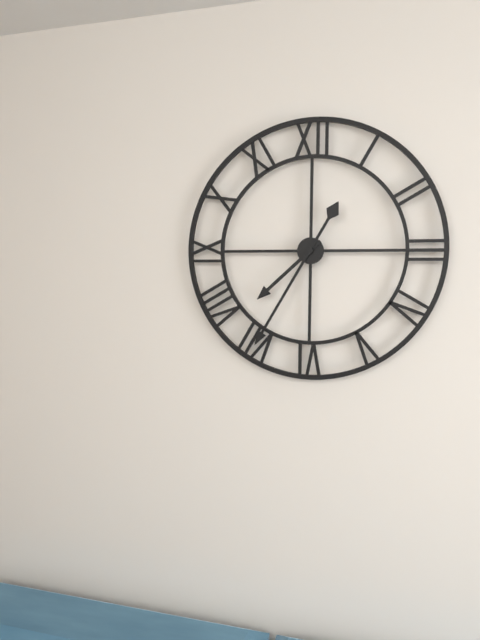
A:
h=7 m=35
